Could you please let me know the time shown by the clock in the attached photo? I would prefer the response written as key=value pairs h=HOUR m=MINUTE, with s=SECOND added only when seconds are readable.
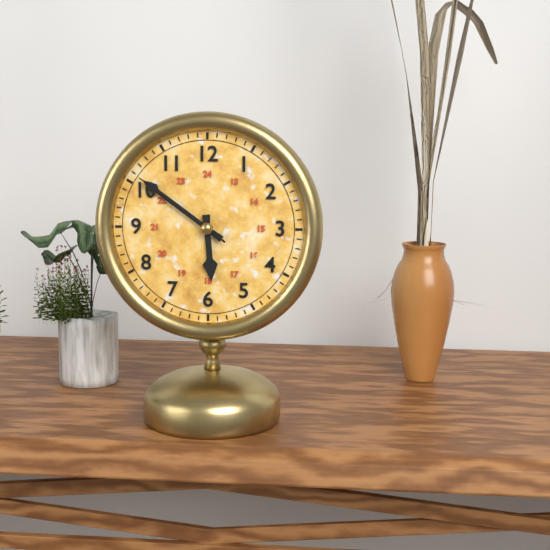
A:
h=5 m=51 s=51
